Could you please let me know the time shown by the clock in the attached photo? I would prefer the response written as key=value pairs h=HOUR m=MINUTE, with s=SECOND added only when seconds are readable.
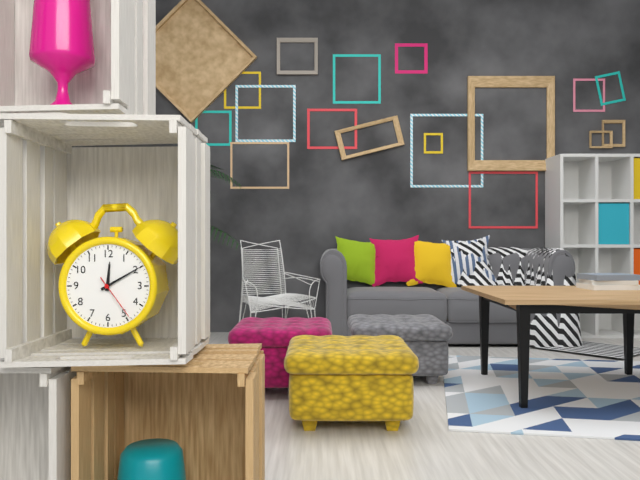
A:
h=12 m=10
